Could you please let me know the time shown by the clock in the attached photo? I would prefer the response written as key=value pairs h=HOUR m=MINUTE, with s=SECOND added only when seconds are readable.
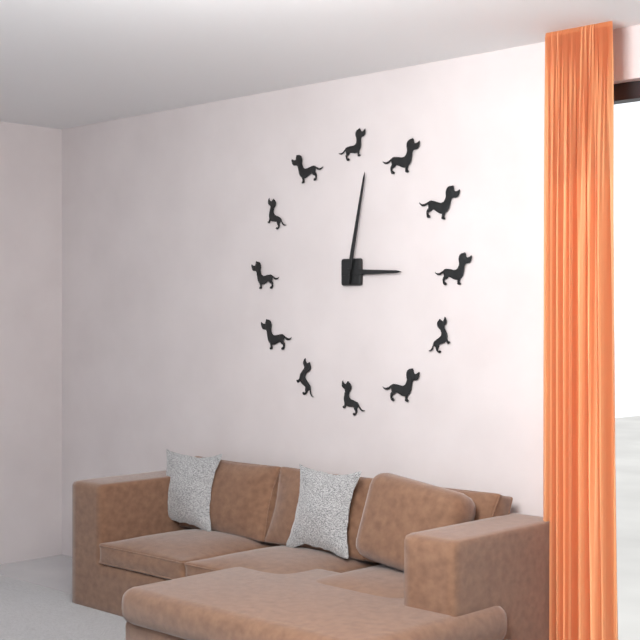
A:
h=3 m=2
